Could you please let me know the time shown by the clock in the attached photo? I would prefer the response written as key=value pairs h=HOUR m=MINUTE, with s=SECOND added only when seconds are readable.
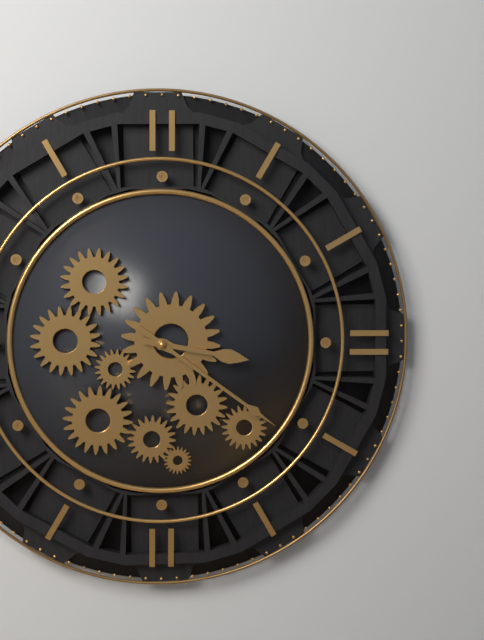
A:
h=3 m=21
